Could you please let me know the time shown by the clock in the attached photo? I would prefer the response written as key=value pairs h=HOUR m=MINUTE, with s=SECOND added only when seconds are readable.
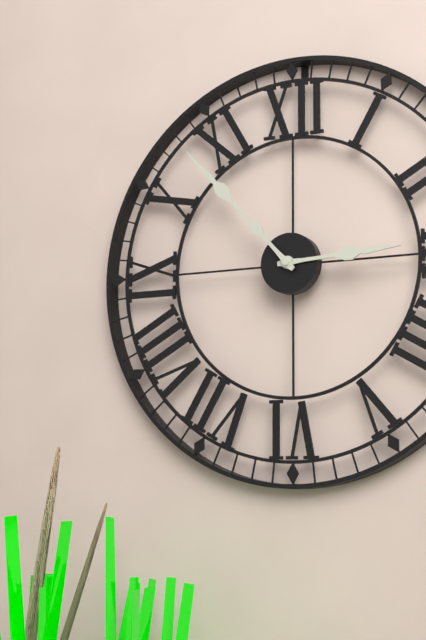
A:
h=2 m=53
